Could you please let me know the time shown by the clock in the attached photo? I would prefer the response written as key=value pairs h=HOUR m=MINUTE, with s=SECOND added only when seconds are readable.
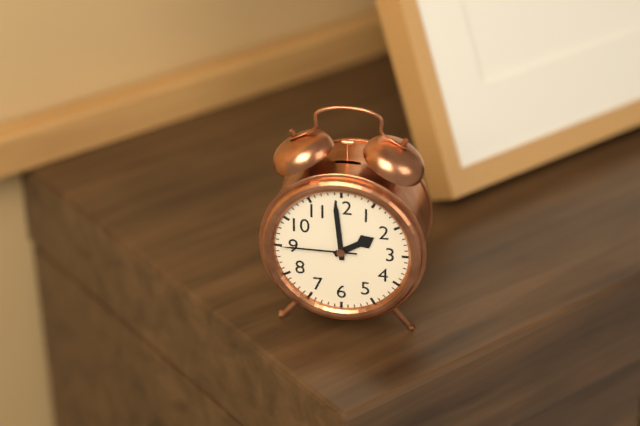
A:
h=1 m=59 s=45
